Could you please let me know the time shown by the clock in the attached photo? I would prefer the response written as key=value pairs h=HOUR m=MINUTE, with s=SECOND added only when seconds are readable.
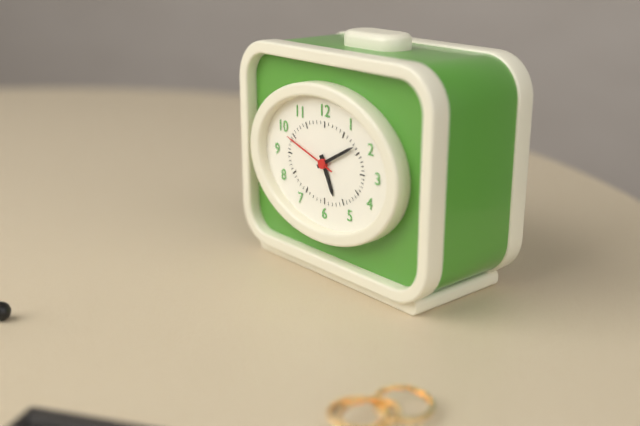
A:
h=5 m=10 s=48
